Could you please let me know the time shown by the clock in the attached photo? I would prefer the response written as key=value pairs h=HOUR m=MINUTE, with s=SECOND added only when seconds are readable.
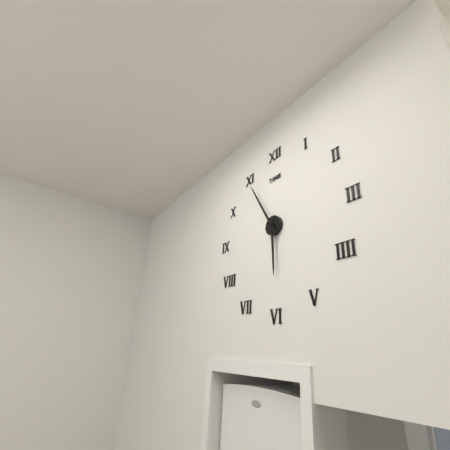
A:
h=5 m=55
